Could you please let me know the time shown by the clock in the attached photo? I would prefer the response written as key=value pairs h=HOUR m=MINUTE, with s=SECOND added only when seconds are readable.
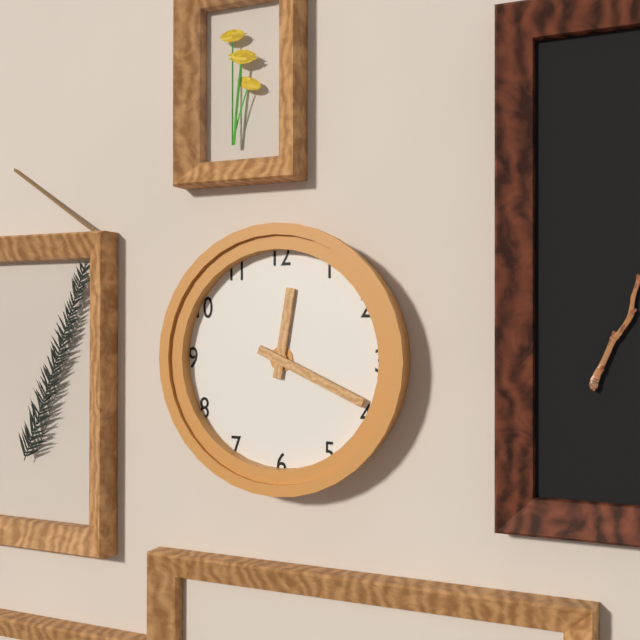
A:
h=12 m=19
